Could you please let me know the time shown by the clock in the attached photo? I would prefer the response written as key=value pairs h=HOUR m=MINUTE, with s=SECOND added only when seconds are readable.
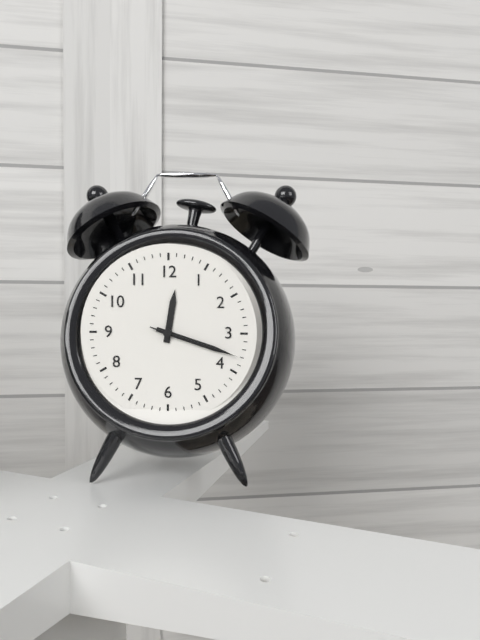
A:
h=12 m=18 s=18
